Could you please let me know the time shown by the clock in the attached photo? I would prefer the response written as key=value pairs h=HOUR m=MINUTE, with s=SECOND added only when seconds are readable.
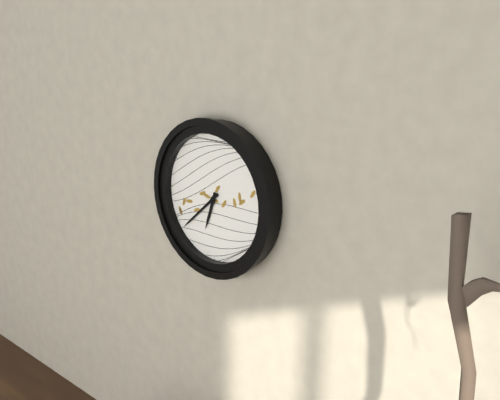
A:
h=6 m=38
